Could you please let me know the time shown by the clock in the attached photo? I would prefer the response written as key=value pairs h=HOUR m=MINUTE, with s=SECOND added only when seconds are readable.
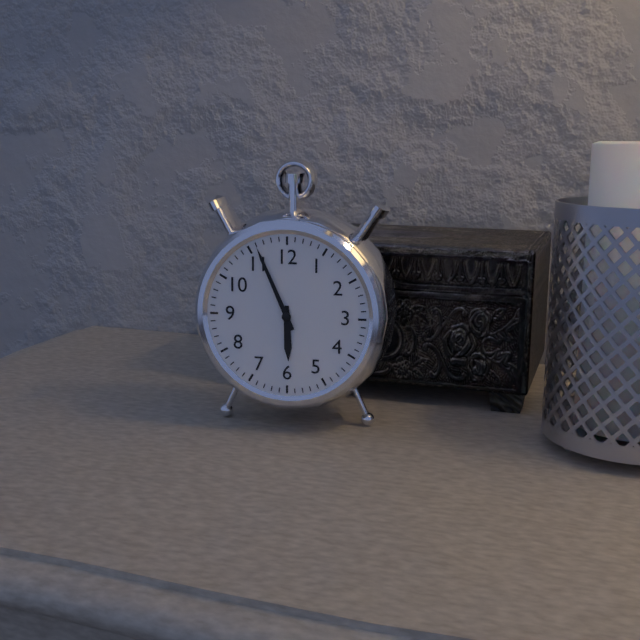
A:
h=5 m=56
